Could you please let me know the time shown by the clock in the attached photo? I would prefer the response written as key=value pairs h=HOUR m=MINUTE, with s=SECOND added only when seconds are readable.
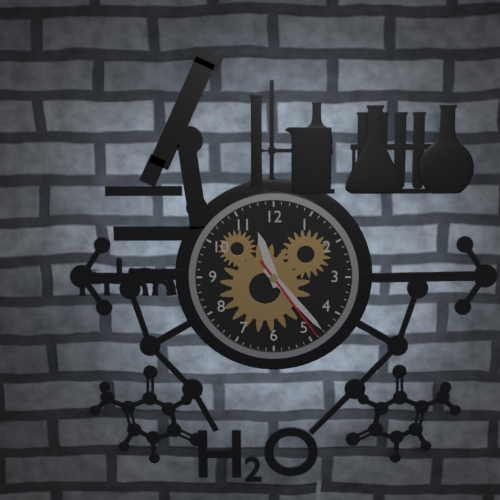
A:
h=11 m=23 s=24
